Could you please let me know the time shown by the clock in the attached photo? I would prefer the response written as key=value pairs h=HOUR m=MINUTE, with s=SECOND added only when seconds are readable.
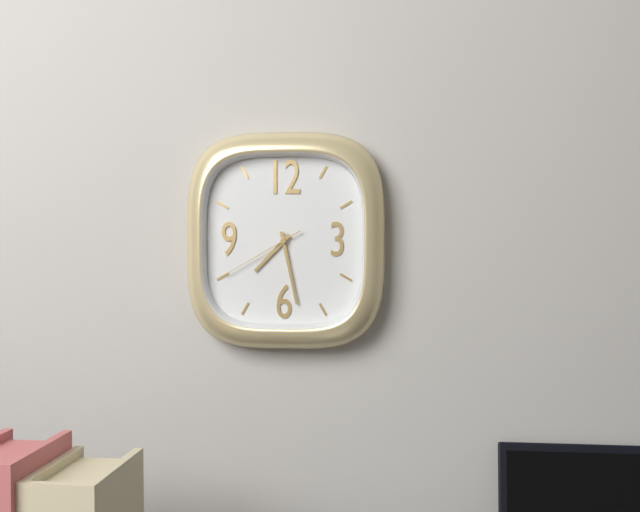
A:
h=7 m=28 s=40
